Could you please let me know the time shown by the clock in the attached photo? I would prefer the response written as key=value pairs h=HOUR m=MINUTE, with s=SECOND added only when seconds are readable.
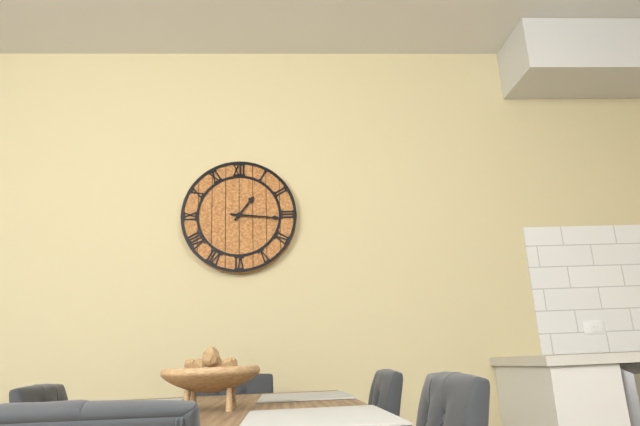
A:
h=1 m=16
